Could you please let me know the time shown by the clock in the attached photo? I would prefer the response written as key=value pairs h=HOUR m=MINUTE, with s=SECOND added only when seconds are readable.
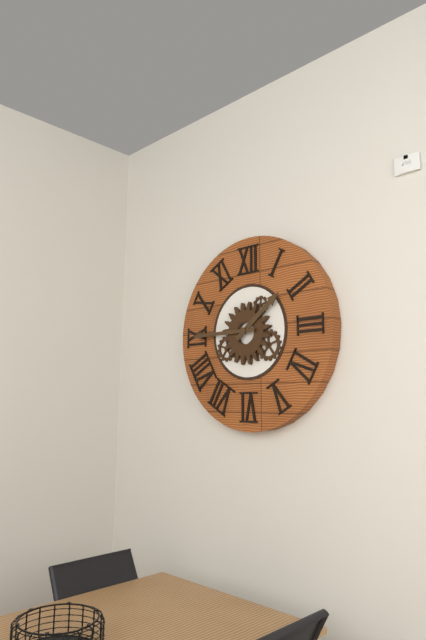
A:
h=1 m=45
